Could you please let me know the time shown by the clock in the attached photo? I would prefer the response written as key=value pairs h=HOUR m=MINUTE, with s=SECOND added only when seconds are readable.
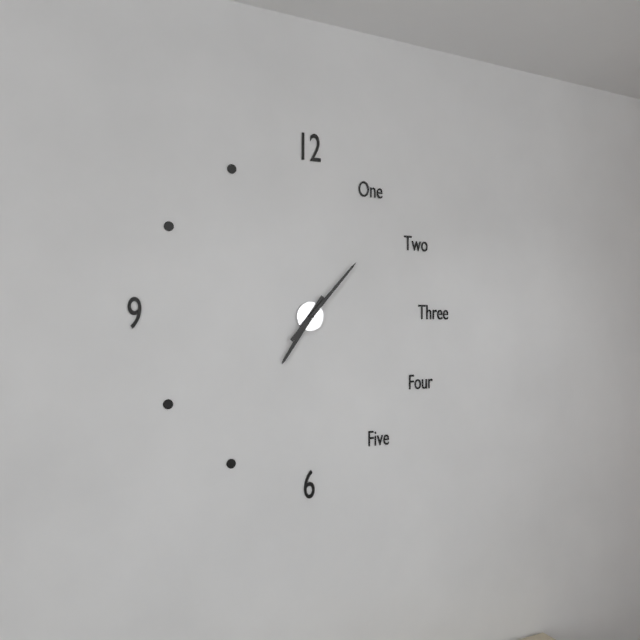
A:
h=7 m=7
